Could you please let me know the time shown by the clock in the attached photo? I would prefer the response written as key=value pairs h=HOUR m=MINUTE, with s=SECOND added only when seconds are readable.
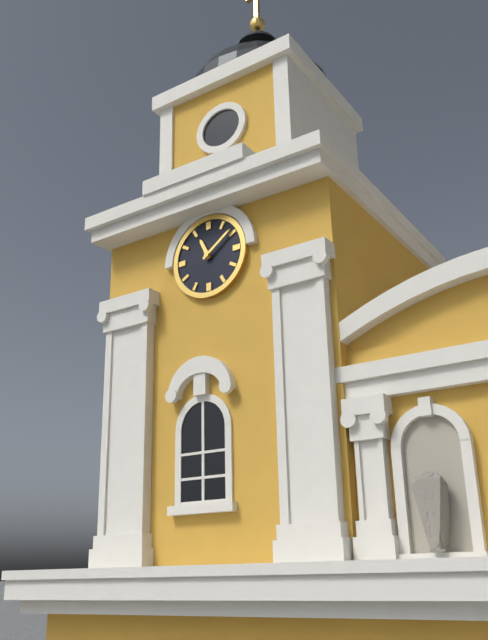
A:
h=11 m=9
